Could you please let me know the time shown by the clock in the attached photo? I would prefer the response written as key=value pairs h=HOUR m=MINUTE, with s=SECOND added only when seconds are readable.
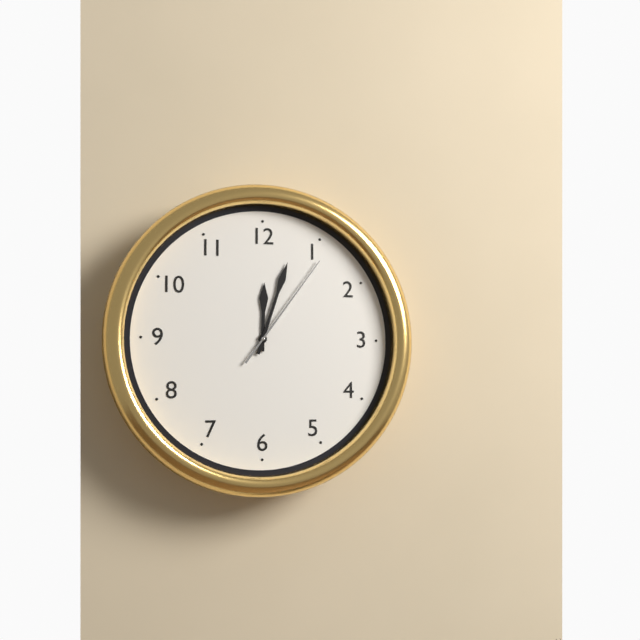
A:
h=12 m=3 s=6
